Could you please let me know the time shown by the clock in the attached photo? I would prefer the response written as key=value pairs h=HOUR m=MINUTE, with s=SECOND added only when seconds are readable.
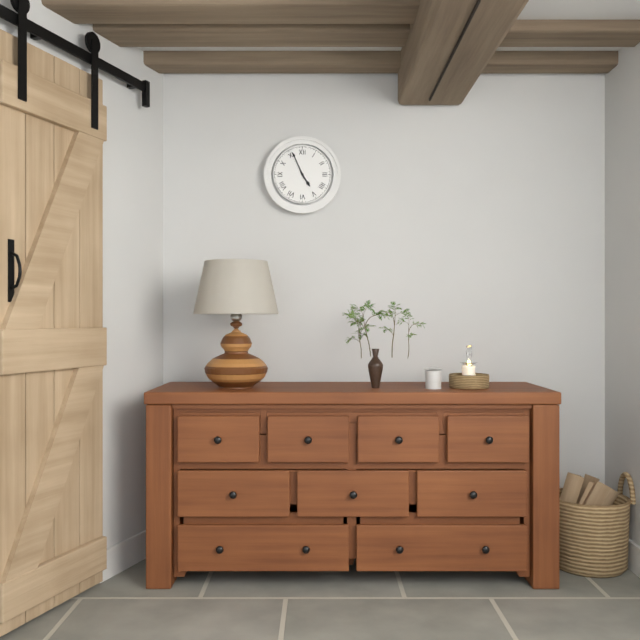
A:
h=4 m=56
